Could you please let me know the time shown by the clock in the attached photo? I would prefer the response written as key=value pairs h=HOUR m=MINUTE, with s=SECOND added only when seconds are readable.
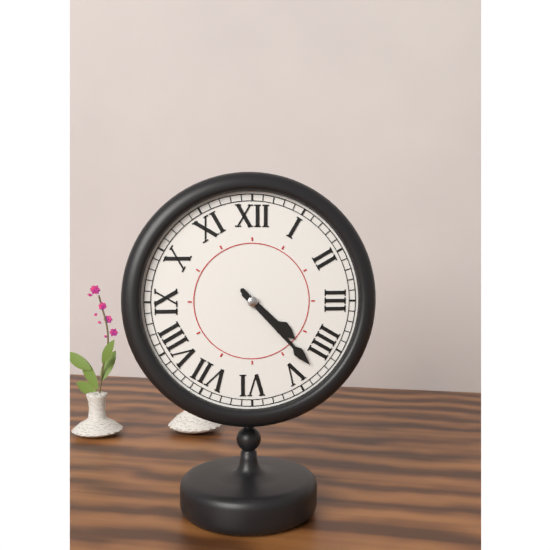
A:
h=4 m=23
